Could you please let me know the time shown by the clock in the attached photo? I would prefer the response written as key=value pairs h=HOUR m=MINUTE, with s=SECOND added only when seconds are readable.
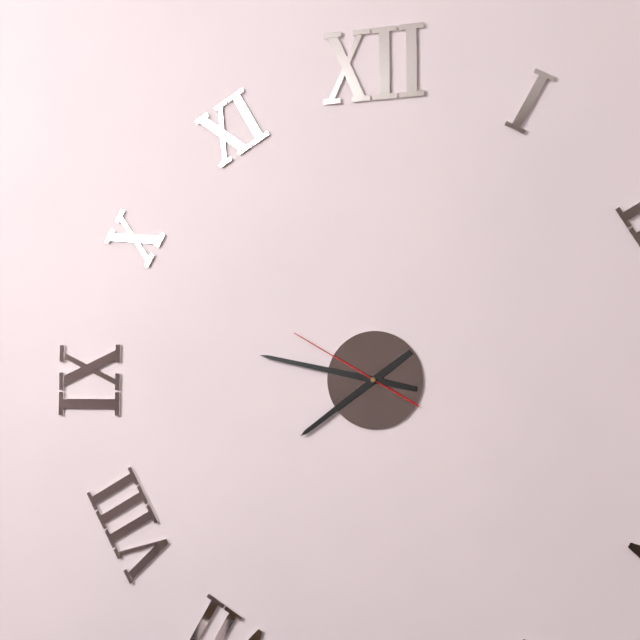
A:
h=7 m=47 s=50
